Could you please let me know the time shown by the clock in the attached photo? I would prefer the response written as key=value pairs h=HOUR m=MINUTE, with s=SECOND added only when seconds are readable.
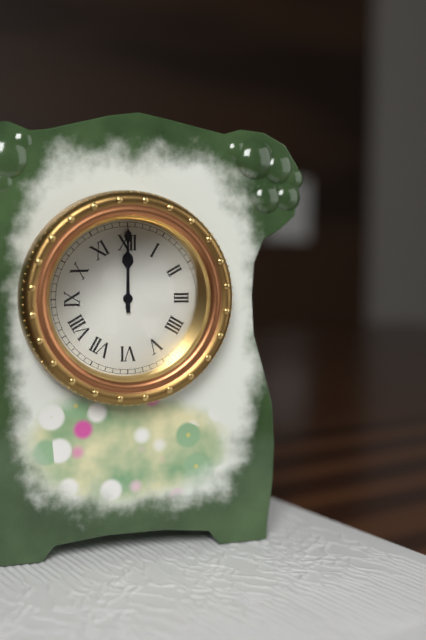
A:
h=12 m=0
